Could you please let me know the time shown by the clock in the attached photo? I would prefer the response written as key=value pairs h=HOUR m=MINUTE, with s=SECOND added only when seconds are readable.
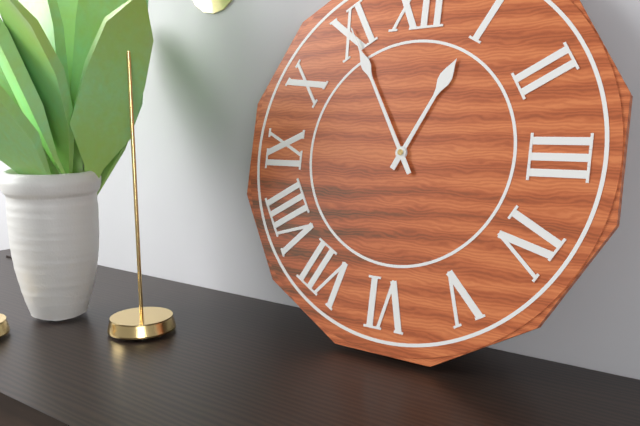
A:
h=12 m=55
